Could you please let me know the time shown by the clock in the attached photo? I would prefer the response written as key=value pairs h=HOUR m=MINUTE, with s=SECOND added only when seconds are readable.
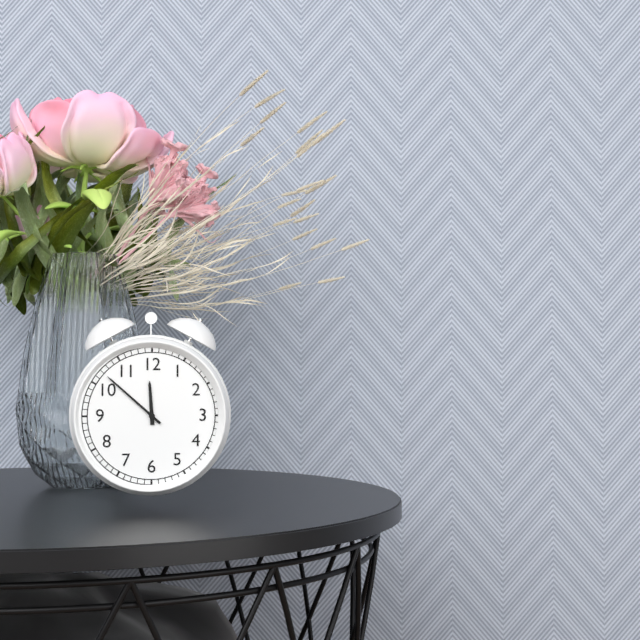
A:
h=11 m=52
